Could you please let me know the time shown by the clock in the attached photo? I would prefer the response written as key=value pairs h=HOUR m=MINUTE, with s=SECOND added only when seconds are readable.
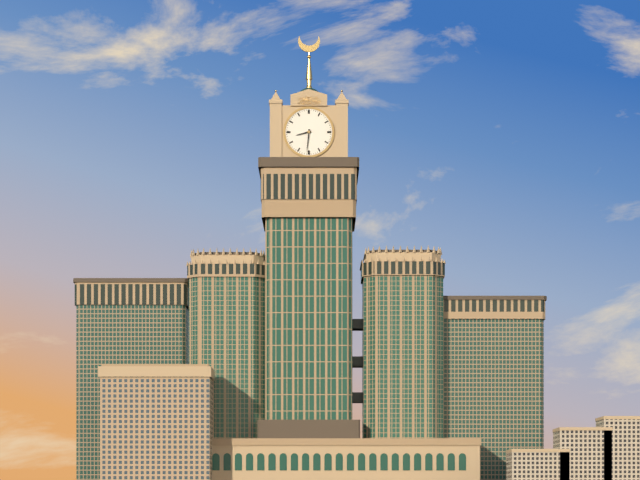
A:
h=8 m=31
